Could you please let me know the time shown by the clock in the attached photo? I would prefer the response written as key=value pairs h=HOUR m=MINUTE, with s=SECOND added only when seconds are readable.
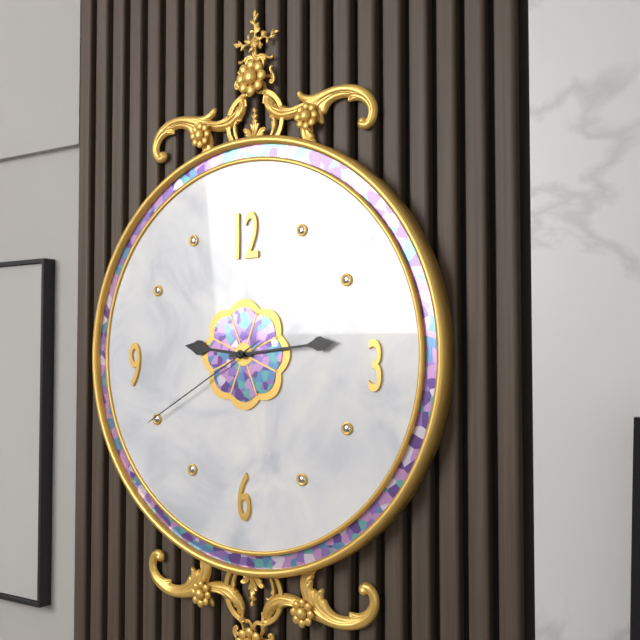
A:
h=9 m=14 s=40
